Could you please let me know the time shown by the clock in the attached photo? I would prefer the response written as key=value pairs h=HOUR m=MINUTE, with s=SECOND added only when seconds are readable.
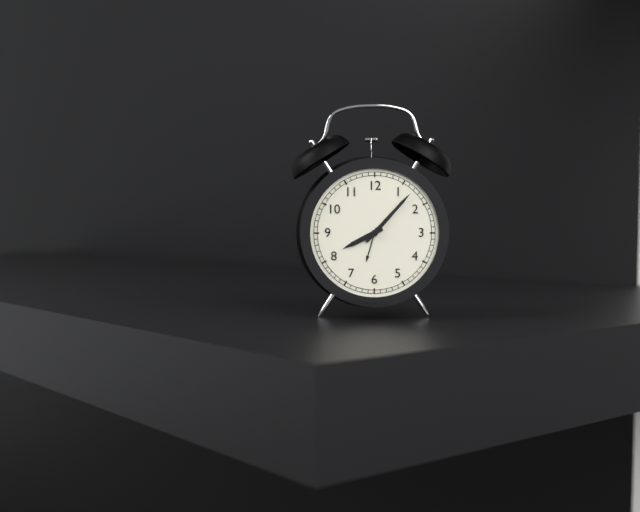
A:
h=8 m=7
